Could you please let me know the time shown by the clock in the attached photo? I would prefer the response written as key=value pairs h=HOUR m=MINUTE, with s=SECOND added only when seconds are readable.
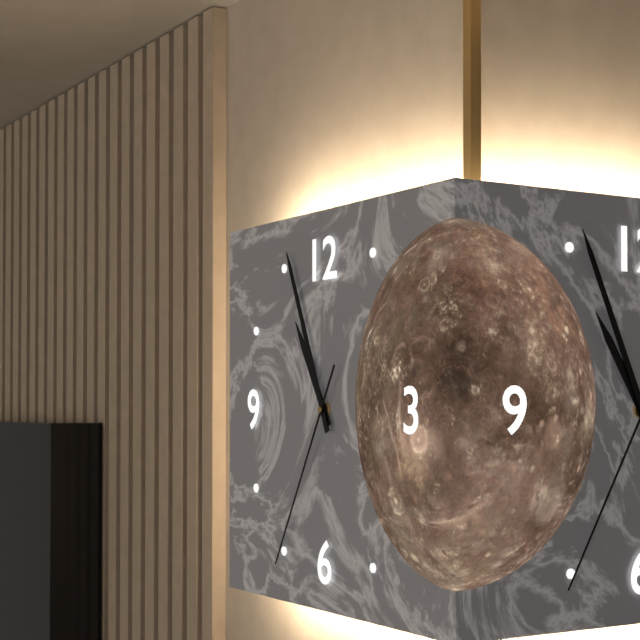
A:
h=10 m=56 s=35
